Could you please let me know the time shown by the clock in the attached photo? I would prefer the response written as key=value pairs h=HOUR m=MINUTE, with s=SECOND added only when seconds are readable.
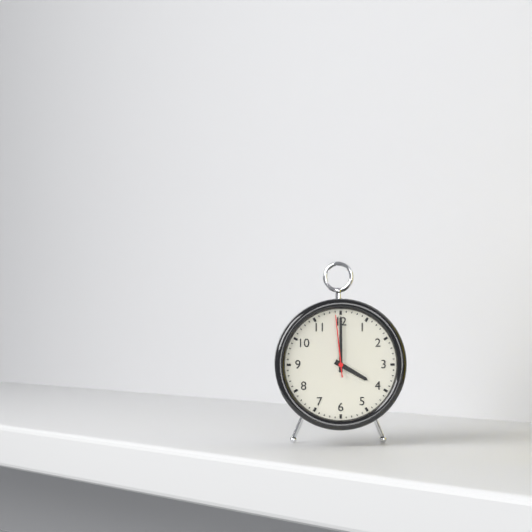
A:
h=4 m=0 s=59
